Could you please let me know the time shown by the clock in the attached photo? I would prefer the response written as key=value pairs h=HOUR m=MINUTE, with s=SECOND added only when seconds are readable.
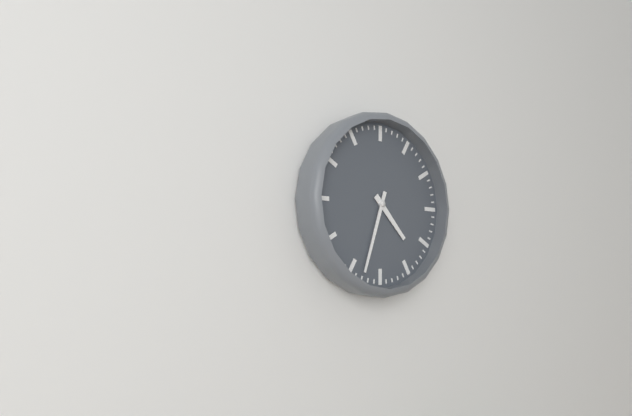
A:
h=4 m=33
